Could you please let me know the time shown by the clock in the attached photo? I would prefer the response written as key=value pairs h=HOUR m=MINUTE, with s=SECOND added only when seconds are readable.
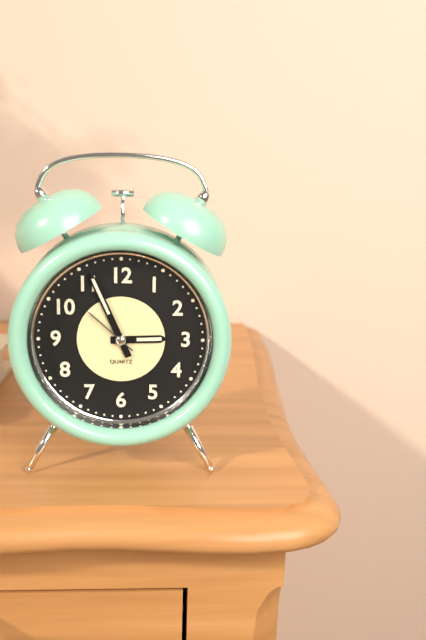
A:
h=2 m=56 s=52
